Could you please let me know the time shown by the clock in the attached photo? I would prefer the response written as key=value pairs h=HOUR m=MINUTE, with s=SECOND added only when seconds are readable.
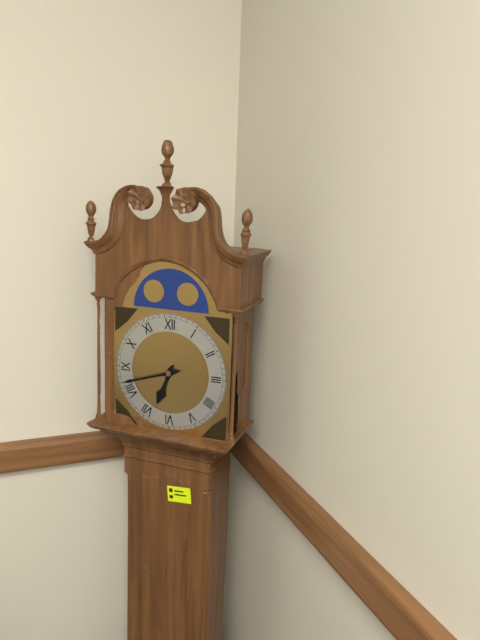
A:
h=6 m=42
